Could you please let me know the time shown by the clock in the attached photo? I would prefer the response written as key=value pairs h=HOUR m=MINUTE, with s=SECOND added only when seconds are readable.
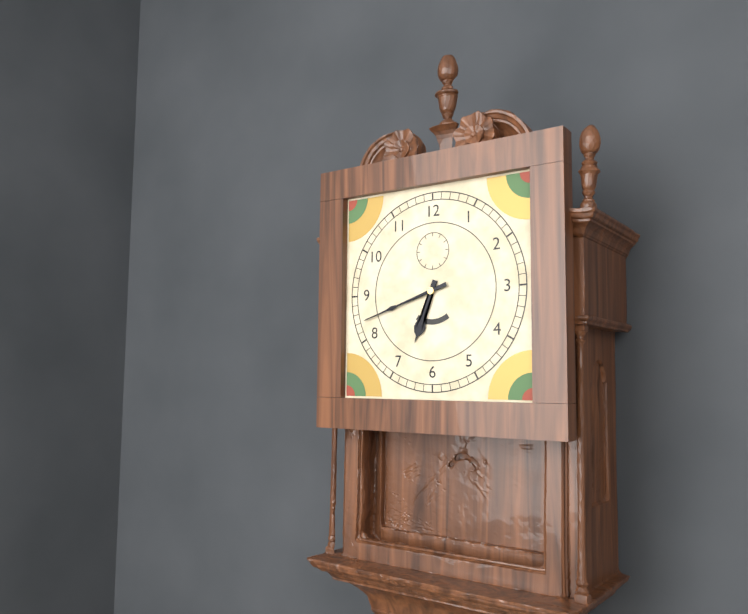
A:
h=6 m=42
